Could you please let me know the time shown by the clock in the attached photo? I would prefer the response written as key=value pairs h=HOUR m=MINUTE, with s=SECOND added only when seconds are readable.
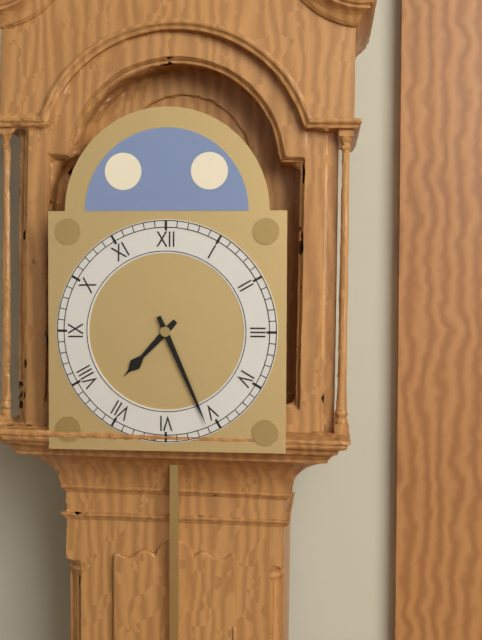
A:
h=7 m=26
